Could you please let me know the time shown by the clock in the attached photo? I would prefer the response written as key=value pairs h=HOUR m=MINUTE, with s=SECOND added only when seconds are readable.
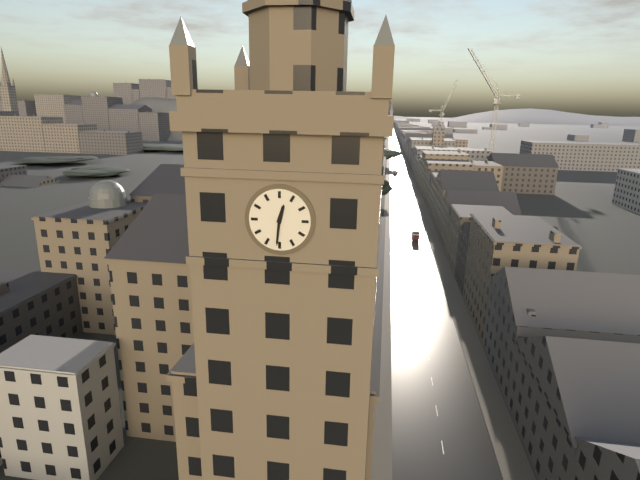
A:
h=12 m=31
